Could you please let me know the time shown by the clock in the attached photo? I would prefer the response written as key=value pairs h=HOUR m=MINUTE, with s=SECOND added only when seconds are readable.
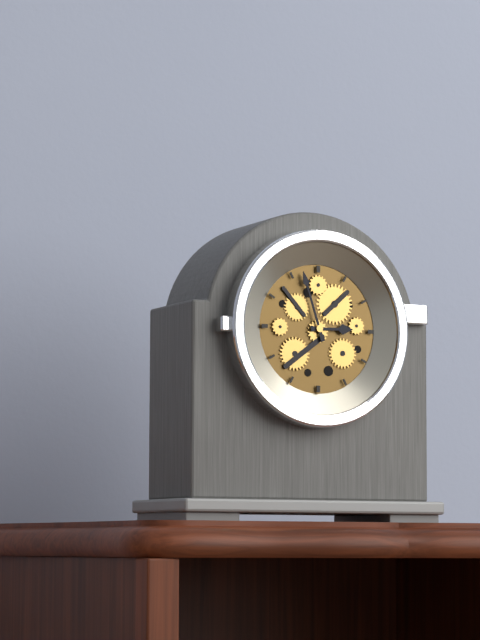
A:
h=2 m=57
